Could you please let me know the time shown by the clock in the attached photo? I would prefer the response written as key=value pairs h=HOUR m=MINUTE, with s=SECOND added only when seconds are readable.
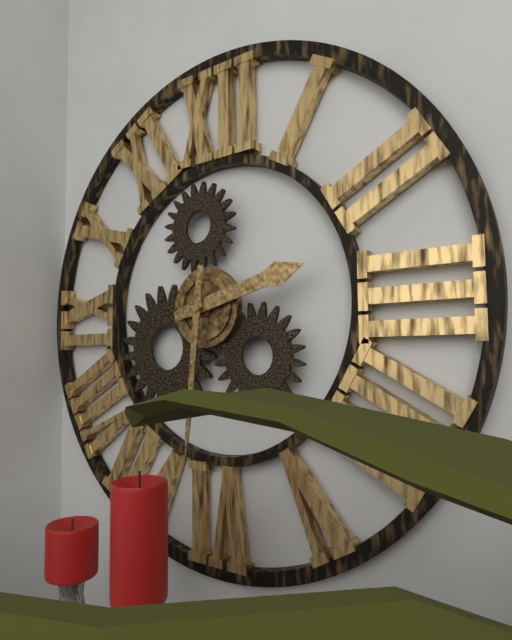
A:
h=2 m=31
